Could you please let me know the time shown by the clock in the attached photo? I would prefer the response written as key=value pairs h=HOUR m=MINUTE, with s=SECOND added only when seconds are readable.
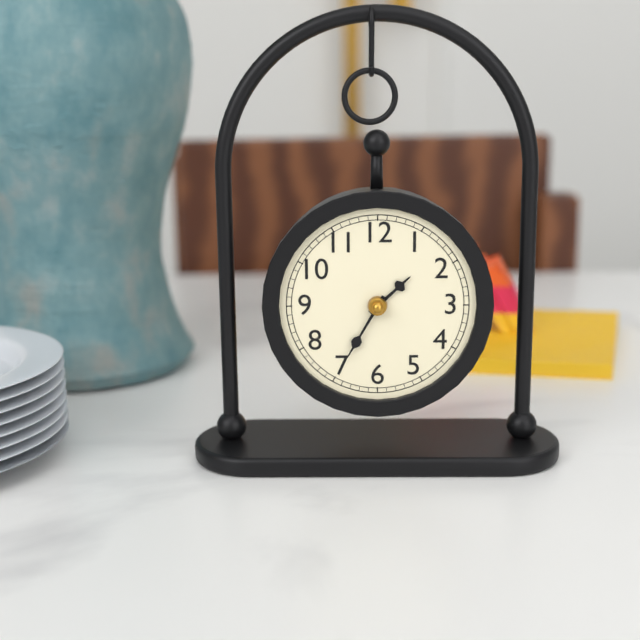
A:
h=1 m=35
